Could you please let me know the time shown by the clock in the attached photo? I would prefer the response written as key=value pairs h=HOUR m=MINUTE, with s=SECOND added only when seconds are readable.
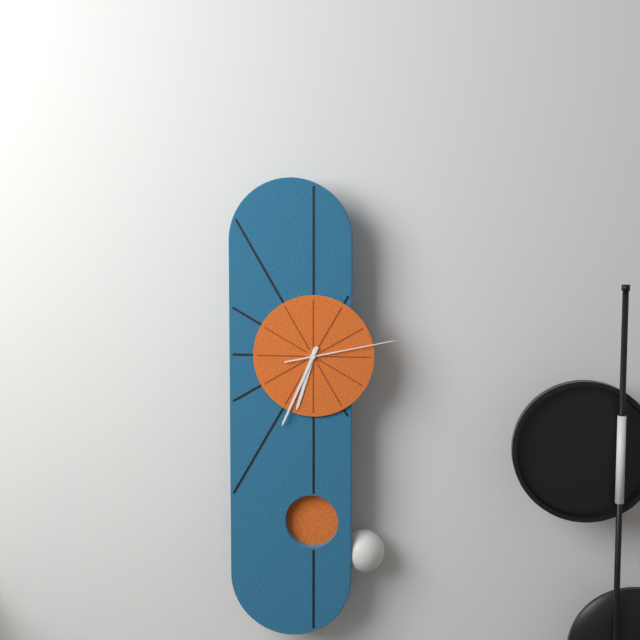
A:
h=6 m=34 s=13
